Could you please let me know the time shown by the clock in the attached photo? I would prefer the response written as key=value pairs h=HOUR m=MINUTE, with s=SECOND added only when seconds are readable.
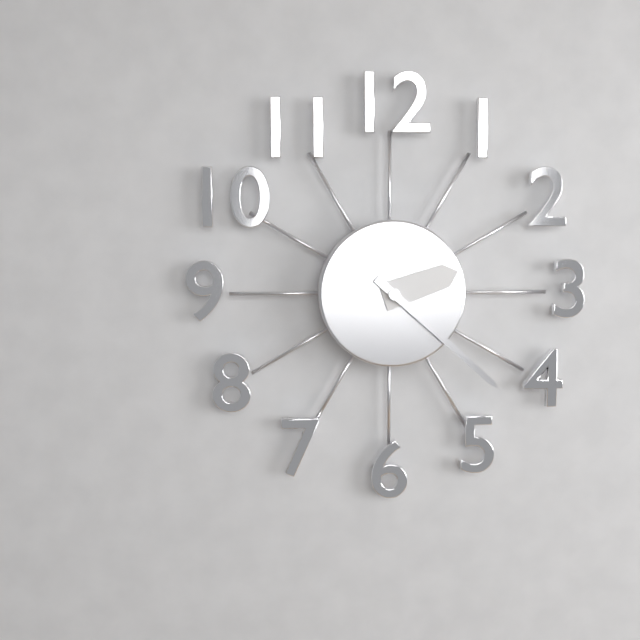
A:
h=2 m=22
